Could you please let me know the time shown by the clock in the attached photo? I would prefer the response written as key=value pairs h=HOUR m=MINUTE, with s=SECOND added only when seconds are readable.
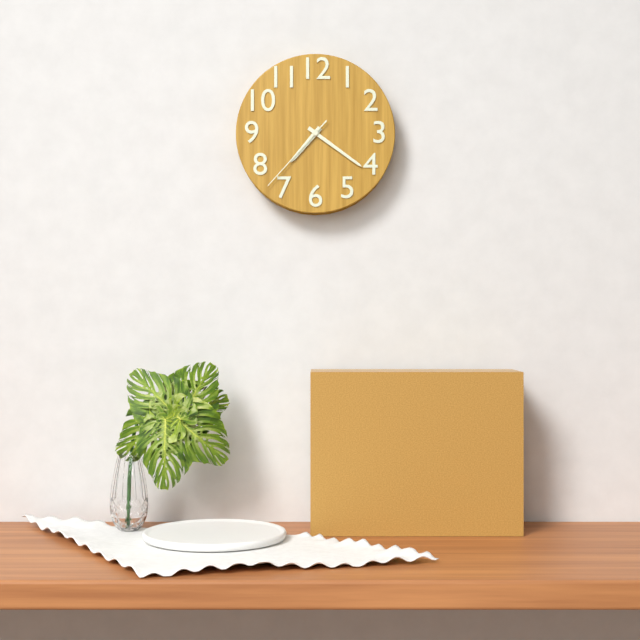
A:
h=7 m=21 s=37
